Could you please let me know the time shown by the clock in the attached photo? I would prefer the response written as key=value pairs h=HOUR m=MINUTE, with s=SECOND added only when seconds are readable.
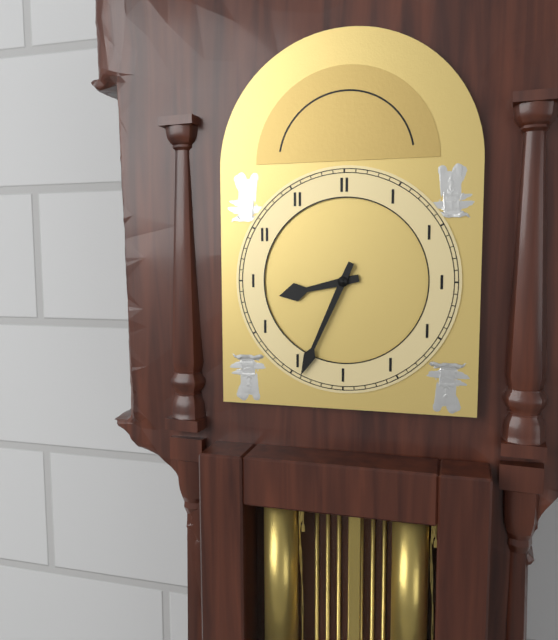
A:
h=8 m=34
